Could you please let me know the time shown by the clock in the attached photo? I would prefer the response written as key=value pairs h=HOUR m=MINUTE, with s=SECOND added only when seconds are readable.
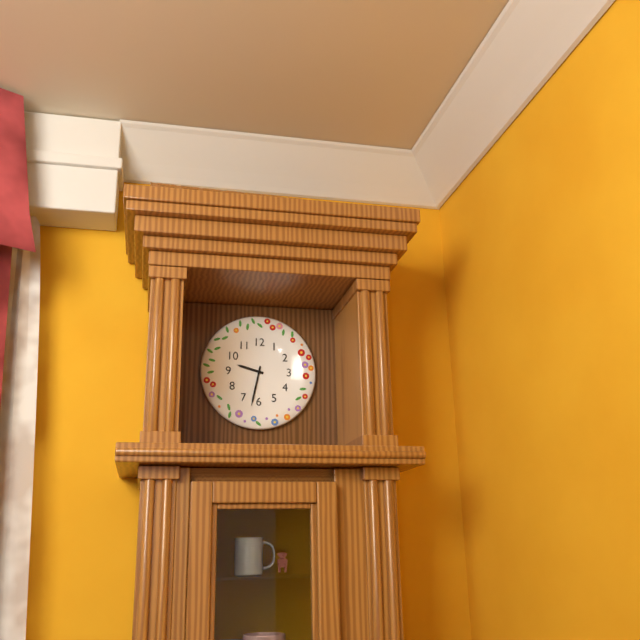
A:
h=9 m=32
